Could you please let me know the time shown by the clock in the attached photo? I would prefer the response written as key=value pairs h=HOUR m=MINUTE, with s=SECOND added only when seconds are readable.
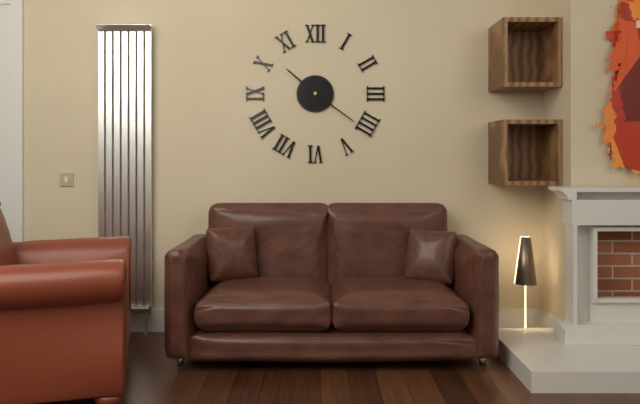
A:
h=10 m=21
